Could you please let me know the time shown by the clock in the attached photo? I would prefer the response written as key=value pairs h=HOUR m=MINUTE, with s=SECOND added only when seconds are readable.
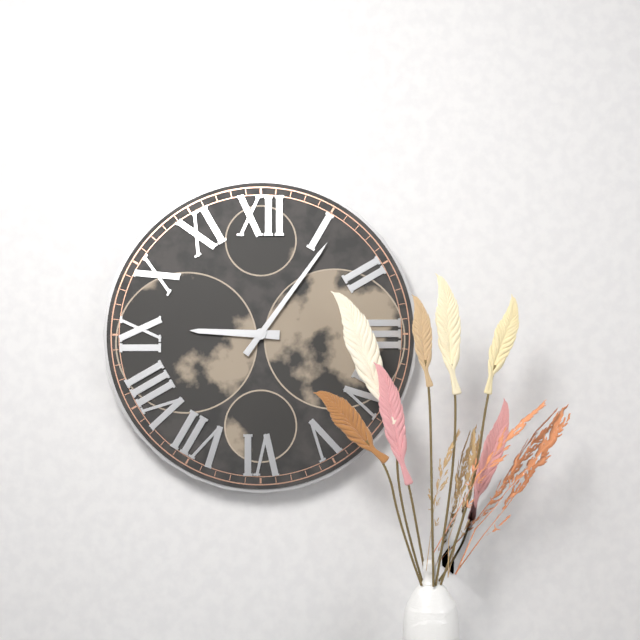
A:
h=9 m=6
